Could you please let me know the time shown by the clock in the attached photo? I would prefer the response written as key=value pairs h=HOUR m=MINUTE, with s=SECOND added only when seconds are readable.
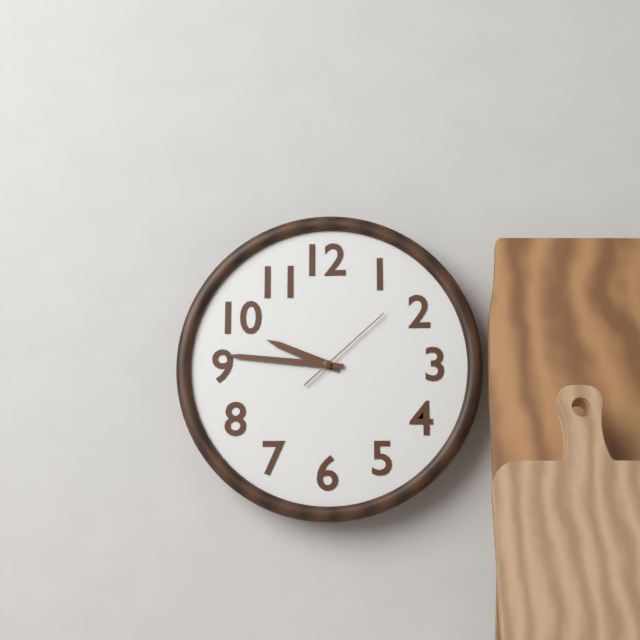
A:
h=9 m=46 s=8
